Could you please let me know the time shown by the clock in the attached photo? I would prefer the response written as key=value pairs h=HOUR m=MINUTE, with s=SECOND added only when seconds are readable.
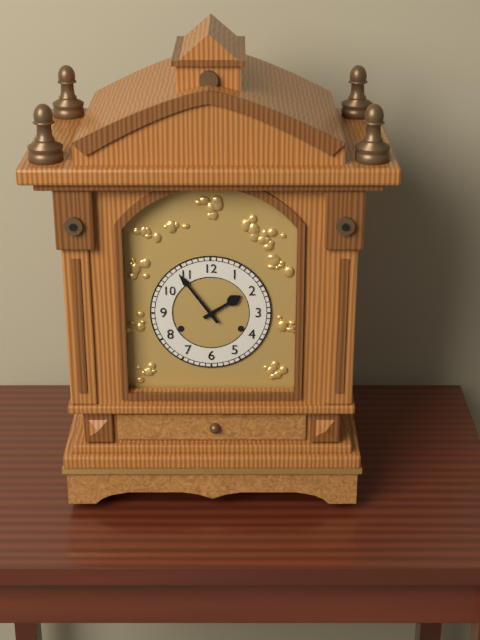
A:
h=1 m=54
